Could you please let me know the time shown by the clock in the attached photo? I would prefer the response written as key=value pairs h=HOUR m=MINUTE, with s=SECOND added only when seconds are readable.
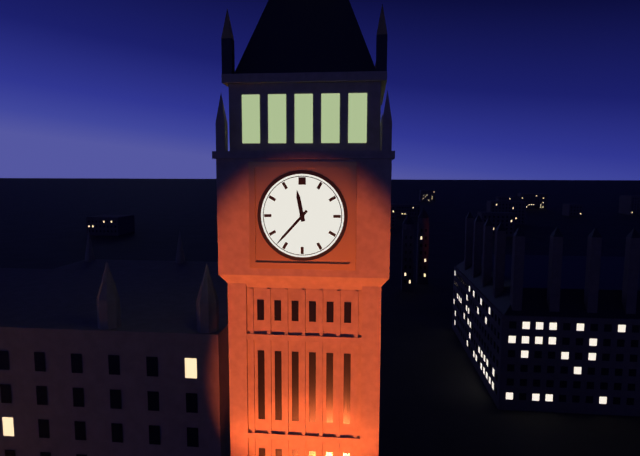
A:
h=11 m=37
